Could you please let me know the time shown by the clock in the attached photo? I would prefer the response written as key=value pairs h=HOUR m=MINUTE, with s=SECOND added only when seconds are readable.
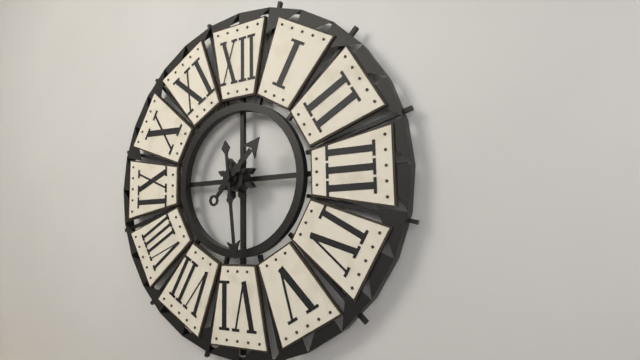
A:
h=1 m=29
